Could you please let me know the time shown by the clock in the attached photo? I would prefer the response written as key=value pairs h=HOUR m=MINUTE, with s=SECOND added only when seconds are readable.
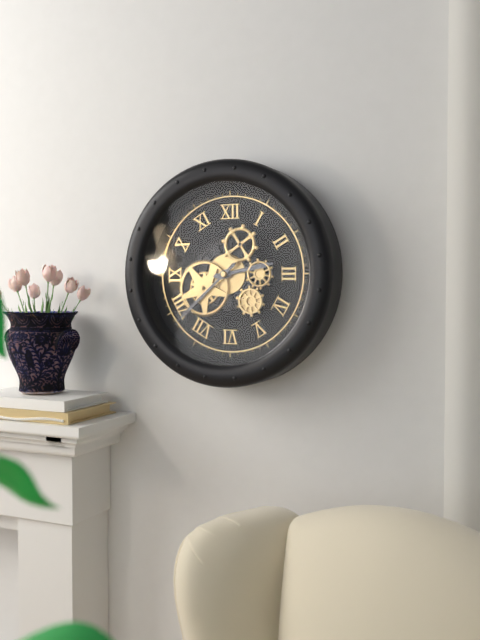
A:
h=2 m=38
